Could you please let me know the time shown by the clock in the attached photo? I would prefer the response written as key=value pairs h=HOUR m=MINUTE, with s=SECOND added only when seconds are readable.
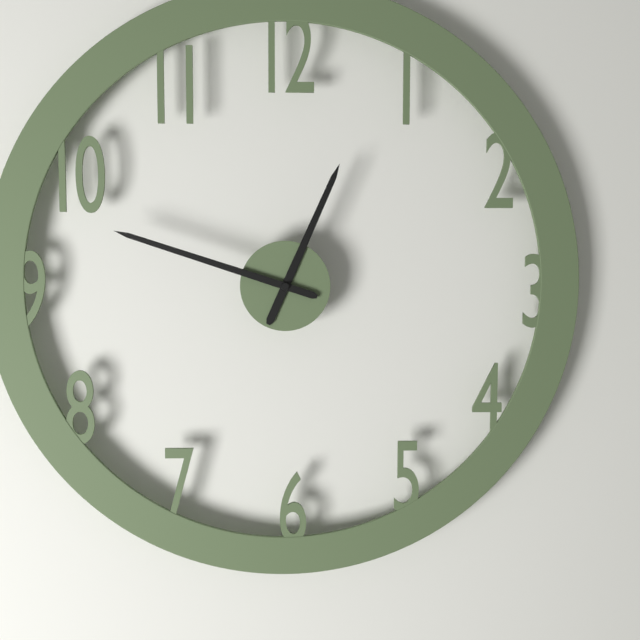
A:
h=12 m=48
